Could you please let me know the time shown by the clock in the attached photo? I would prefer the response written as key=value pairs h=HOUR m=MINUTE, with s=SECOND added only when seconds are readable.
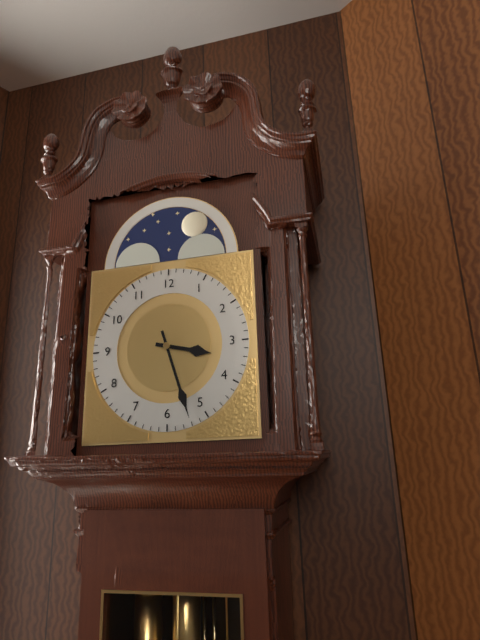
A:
h=3 m=27
